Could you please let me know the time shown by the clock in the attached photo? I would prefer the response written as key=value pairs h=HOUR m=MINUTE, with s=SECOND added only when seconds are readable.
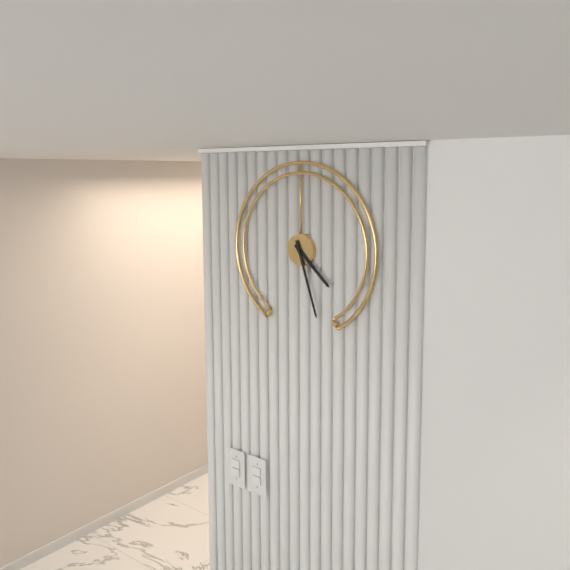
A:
h=4 m=27
